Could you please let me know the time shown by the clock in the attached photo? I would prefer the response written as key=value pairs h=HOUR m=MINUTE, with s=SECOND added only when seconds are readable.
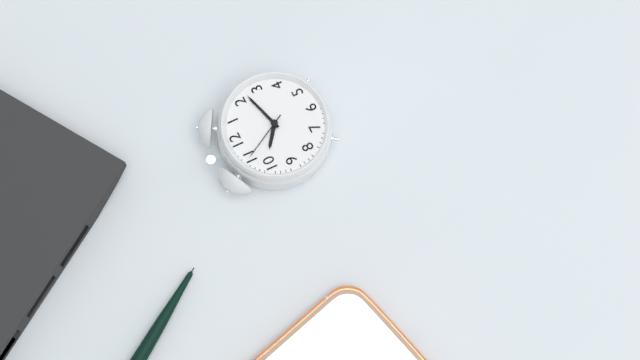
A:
h=10 m=12 s=55
